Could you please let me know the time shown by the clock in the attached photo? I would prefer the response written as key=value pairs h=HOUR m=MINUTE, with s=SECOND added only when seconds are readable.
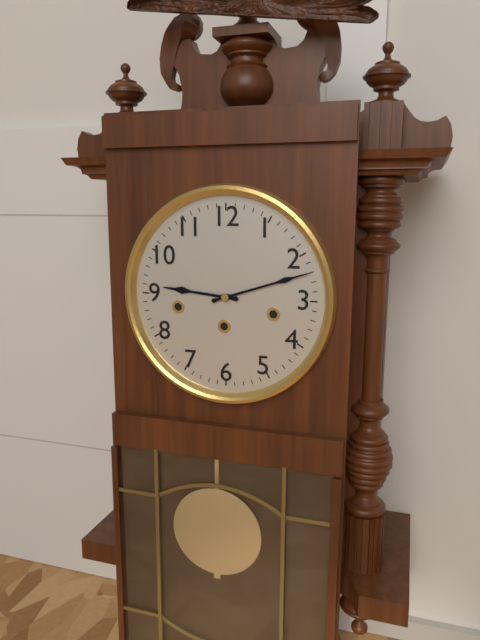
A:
h=9 m=12
